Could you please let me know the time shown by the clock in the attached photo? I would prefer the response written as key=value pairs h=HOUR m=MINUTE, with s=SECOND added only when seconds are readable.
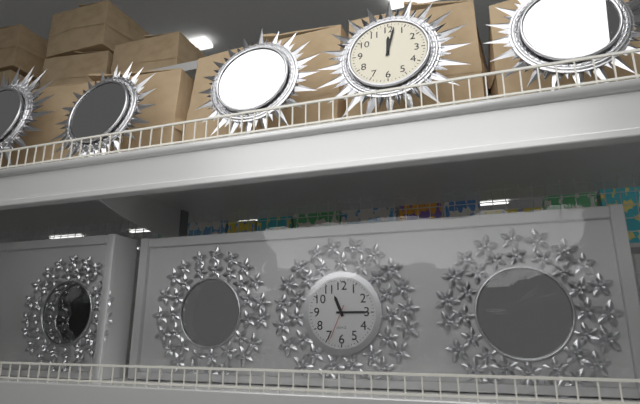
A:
h=11 m=15
